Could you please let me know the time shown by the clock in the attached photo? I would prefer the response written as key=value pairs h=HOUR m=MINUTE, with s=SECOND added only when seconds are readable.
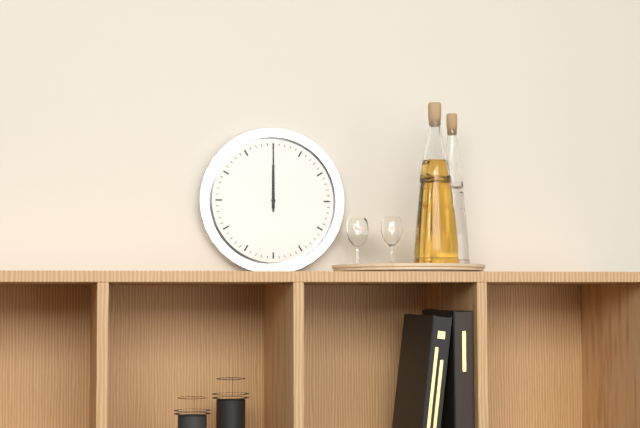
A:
h=12 m=0
